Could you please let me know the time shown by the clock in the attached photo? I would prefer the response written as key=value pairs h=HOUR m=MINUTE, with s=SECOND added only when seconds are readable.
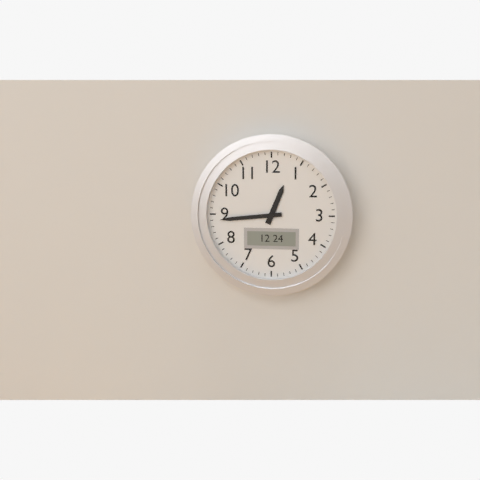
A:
h=12 m=44
